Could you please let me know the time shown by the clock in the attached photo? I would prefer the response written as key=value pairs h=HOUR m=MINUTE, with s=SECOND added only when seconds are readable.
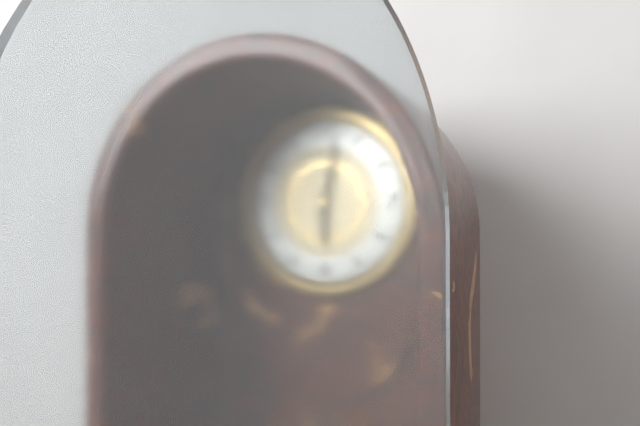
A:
h=6 m=2
